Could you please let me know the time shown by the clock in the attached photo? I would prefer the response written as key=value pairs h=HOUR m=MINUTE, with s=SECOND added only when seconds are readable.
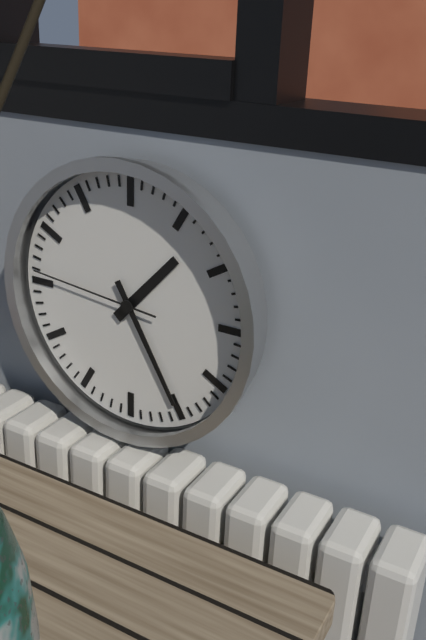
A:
h=1 m=25 s=46
